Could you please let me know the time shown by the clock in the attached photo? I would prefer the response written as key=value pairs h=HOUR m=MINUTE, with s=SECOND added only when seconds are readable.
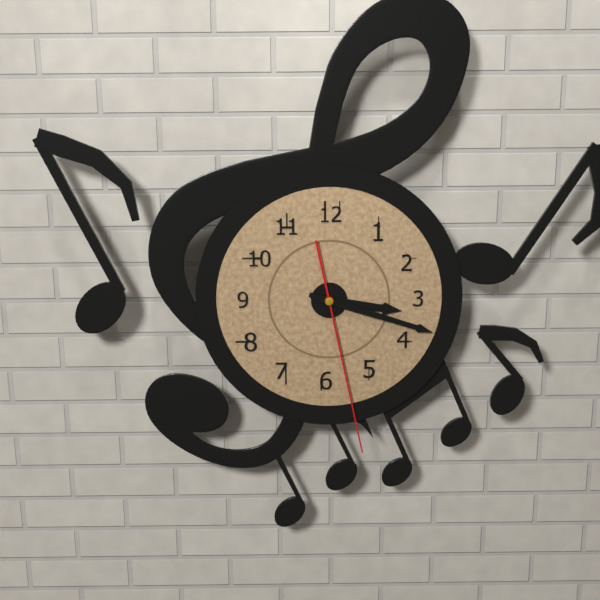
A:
h=3 m=18 s=28
